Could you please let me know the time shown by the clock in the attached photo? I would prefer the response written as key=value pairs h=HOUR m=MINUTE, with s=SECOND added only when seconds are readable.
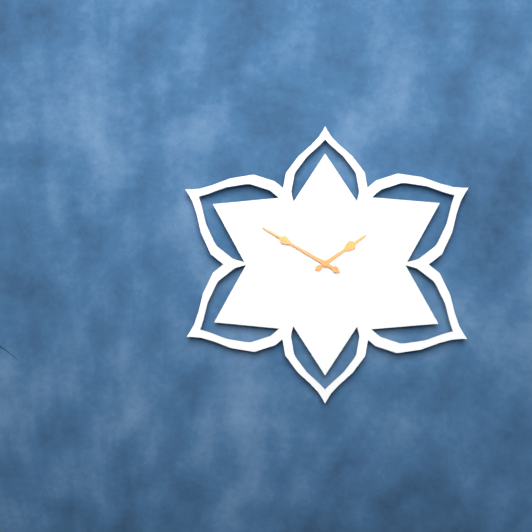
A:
h=1 m=50
